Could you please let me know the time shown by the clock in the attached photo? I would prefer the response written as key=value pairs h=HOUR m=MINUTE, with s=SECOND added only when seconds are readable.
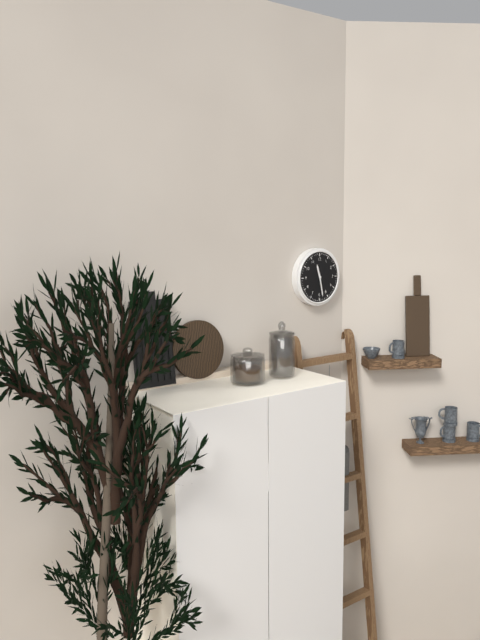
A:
h=11 m=28
